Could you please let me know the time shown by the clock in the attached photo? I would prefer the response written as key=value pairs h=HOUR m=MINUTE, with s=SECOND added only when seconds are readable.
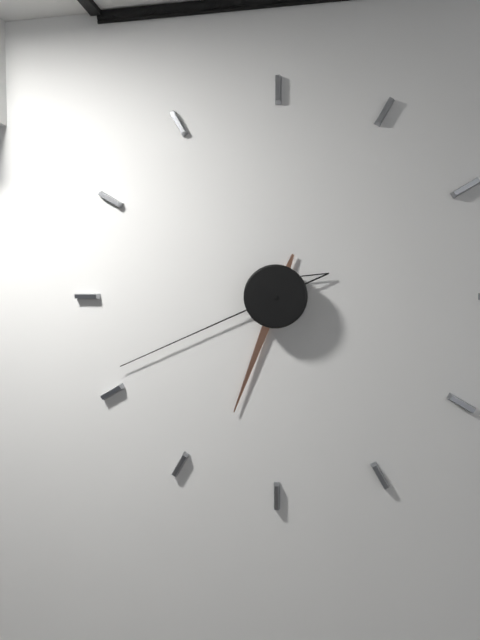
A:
h=6 m=41
